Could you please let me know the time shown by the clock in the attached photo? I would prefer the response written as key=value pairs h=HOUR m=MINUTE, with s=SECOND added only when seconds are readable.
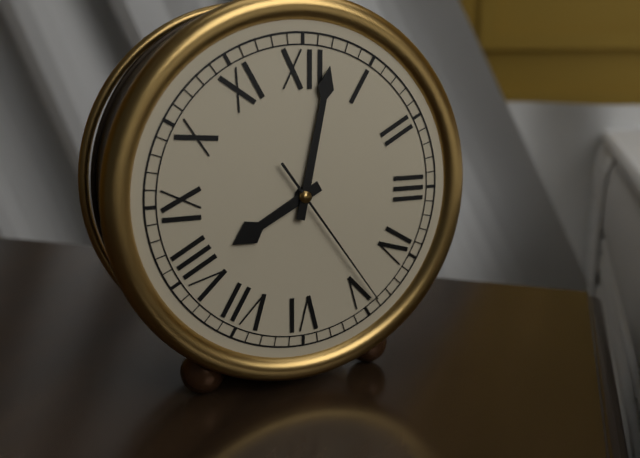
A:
h=8 m=2 s=24
